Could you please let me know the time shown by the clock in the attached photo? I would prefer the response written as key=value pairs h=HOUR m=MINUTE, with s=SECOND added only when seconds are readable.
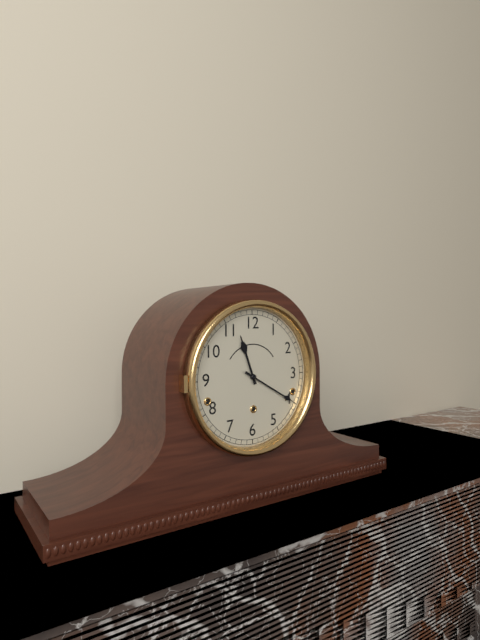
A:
h=11 m=20
